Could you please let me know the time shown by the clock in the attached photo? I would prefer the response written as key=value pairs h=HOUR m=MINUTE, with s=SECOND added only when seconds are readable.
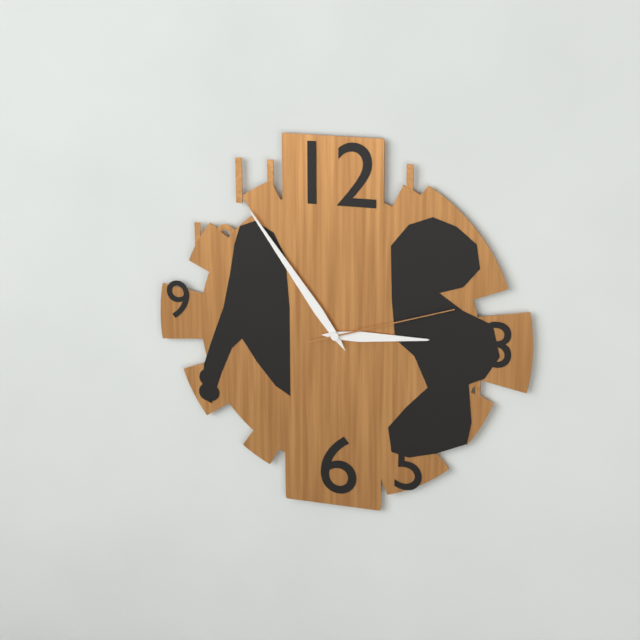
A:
h=2 m=54 s=12
